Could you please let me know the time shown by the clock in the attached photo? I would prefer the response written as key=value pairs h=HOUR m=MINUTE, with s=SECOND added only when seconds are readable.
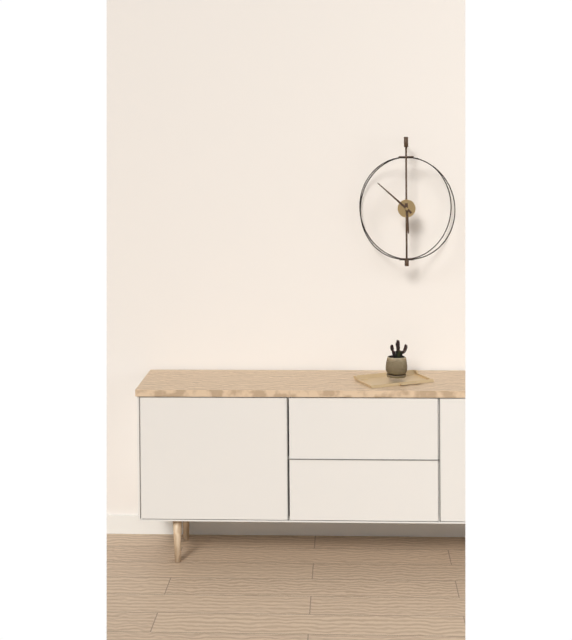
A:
h=5 m=52
